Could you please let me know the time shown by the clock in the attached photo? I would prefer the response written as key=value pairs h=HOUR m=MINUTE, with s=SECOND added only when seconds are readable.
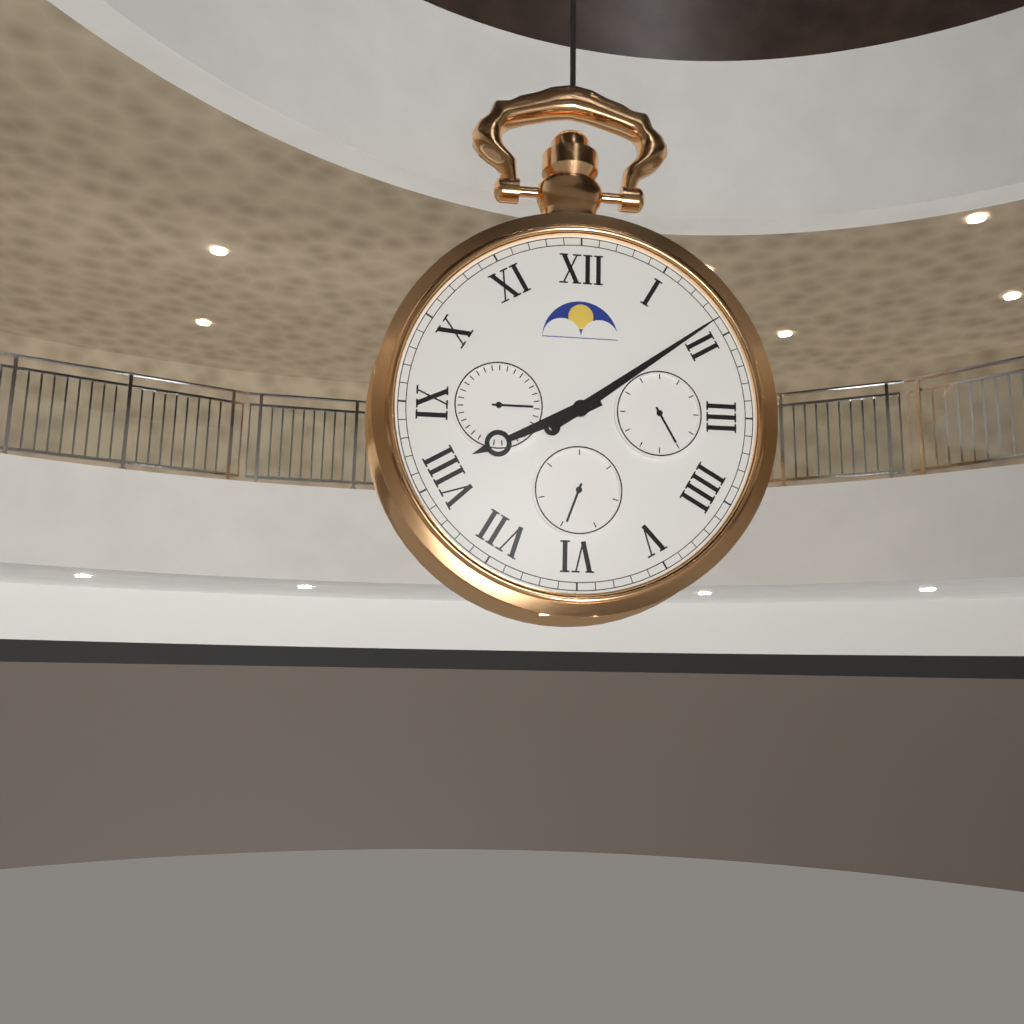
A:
h=8 m=9
